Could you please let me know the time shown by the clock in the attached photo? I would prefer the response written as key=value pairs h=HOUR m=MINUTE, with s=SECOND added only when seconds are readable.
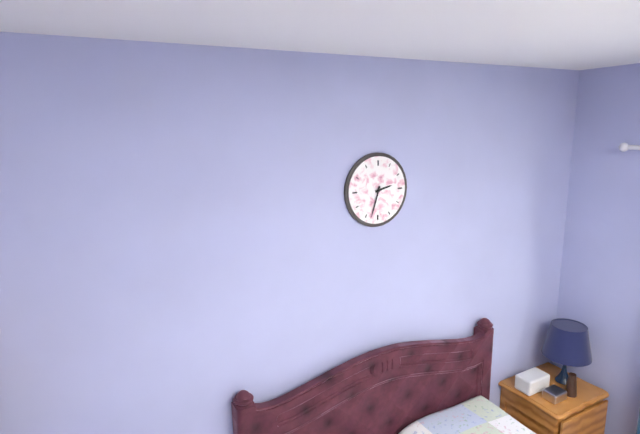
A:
h=2 m=33
